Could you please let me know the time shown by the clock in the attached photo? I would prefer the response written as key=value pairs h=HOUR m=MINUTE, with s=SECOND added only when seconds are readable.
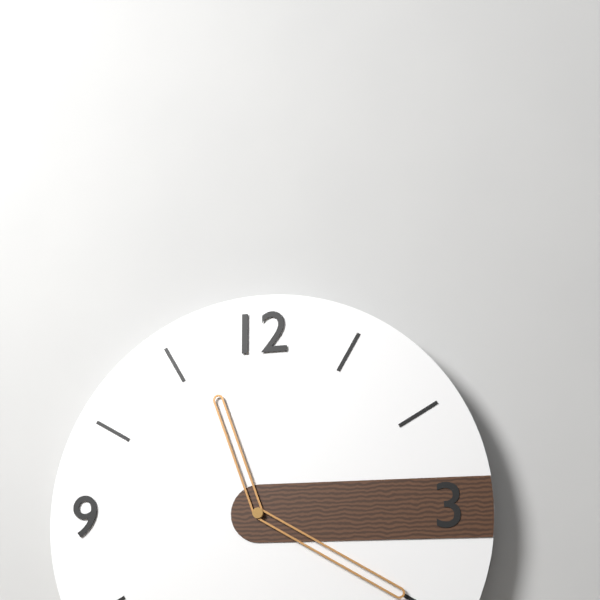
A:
h=11 m=20
